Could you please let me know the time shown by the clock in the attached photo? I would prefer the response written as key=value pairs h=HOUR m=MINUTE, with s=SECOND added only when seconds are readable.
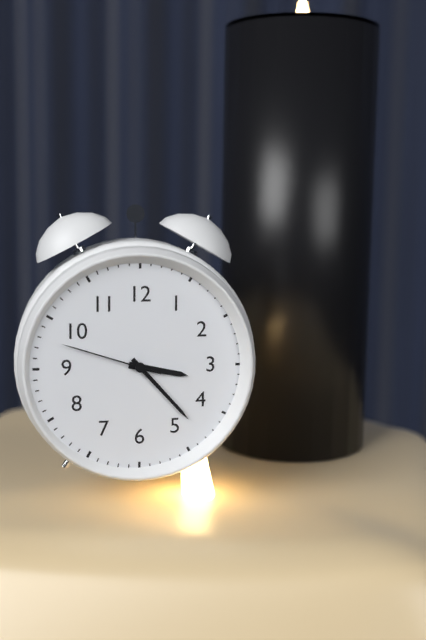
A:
h=3 m=23 s=48
